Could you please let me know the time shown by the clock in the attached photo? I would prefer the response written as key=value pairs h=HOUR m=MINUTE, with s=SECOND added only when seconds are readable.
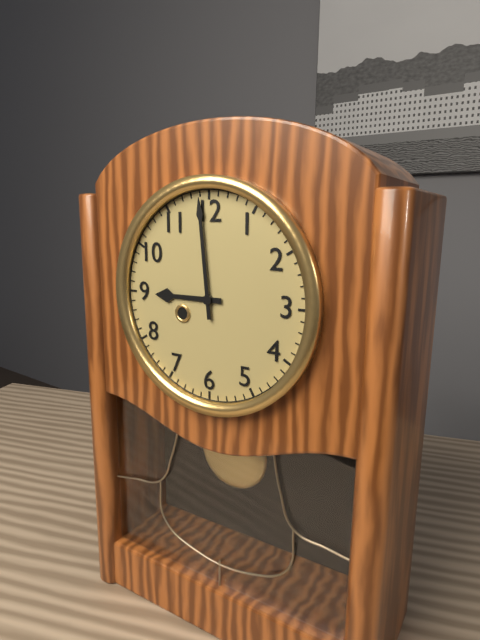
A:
h=8 m=59
